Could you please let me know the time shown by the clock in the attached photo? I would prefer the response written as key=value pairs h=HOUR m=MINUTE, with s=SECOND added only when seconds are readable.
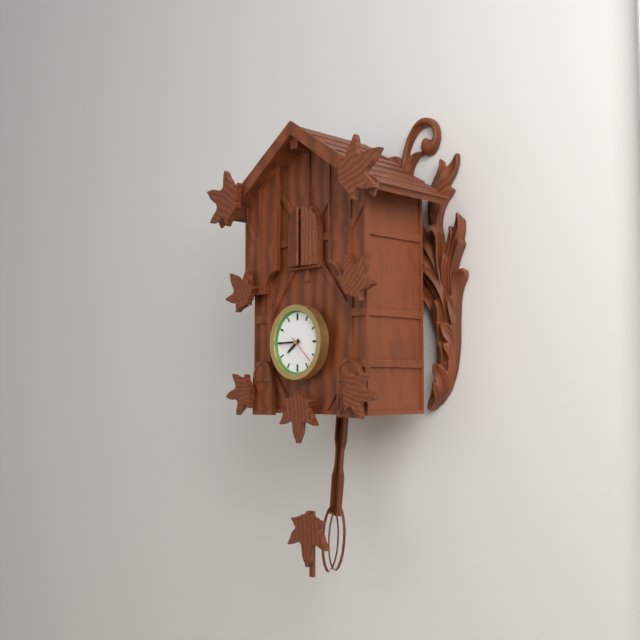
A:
h=7 m=45
